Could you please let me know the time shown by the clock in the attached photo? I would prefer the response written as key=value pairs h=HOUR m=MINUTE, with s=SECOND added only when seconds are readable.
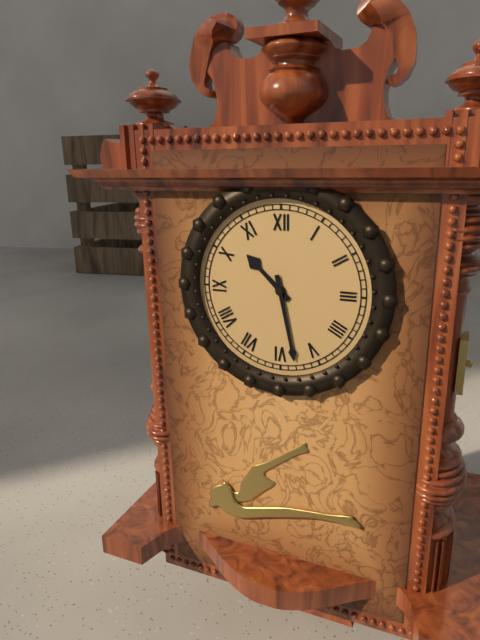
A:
h=10 m=28
